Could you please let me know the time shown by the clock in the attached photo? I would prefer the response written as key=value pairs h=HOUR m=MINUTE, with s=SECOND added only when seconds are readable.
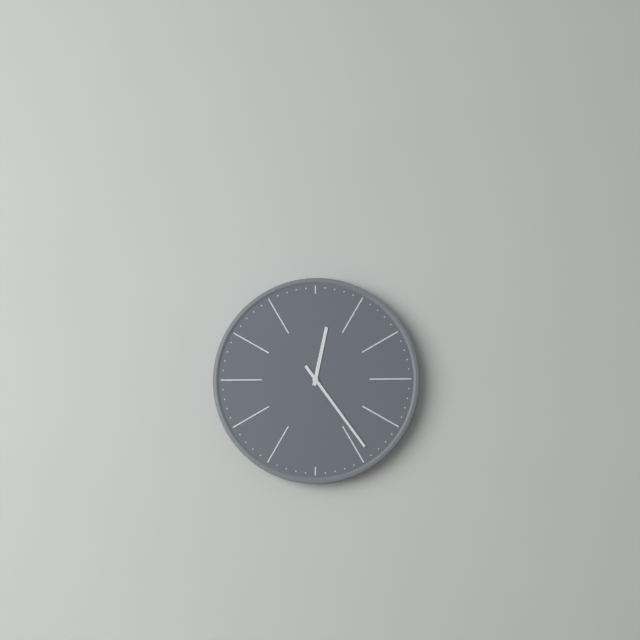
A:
h=12 m=24
